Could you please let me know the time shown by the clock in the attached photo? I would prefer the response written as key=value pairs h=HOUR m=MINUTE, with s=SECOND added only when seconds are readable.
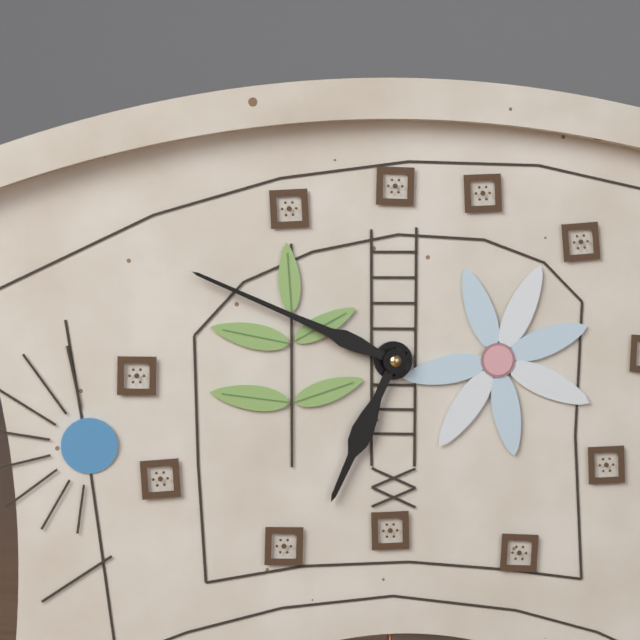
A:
h=6 m=49
